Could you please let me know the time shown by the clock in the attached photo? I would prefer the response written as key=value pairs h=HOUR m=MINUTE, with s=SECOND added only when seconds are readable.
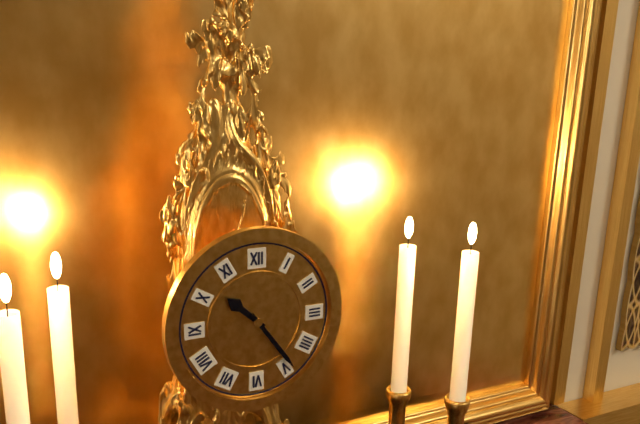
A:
h=10 m=24
